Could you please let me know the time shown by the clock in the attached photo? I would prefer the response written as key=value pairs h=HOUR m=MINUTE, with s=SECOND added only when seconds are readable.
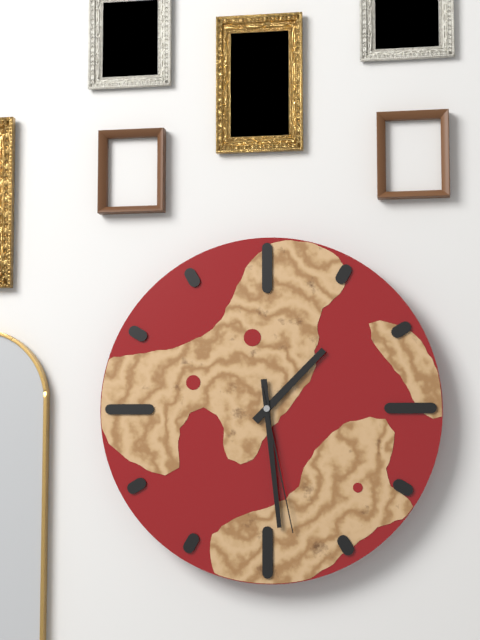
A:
h=1 m=29 s=28
